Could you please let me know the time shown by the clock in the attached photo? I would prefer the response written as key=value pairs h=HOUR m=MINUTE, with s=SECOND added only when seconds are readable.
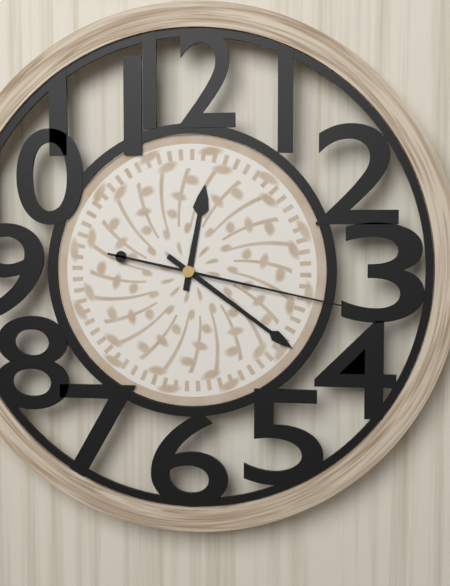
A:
h=12 m=21 s=17
